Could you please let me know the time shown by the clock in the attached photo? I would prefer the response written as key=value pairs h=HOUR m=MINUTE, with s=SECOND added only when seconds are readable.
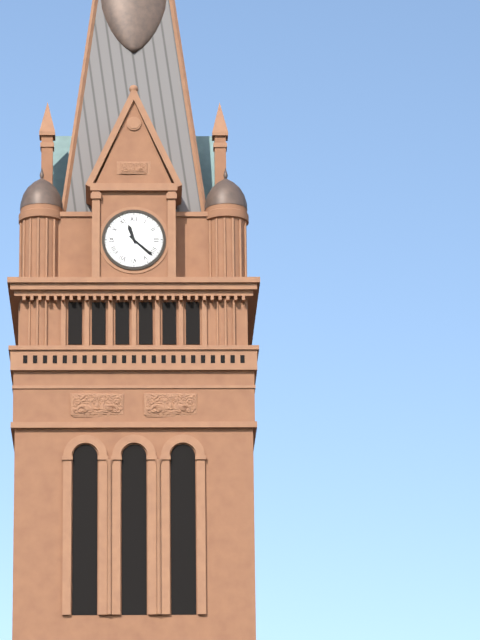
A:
h=11 m=22
